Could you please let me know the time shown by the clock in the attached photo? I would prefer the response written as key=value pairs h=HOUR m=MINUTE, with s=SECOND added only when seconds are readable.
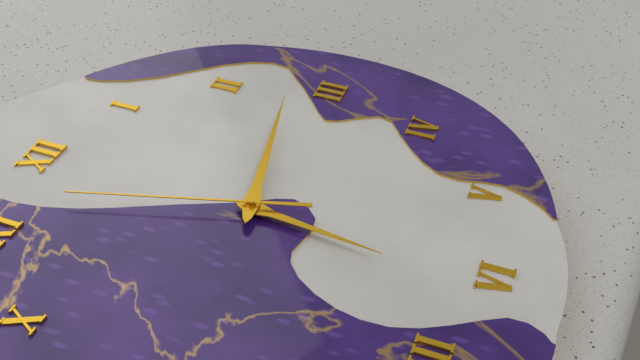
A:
h=6 m=13 s=57
